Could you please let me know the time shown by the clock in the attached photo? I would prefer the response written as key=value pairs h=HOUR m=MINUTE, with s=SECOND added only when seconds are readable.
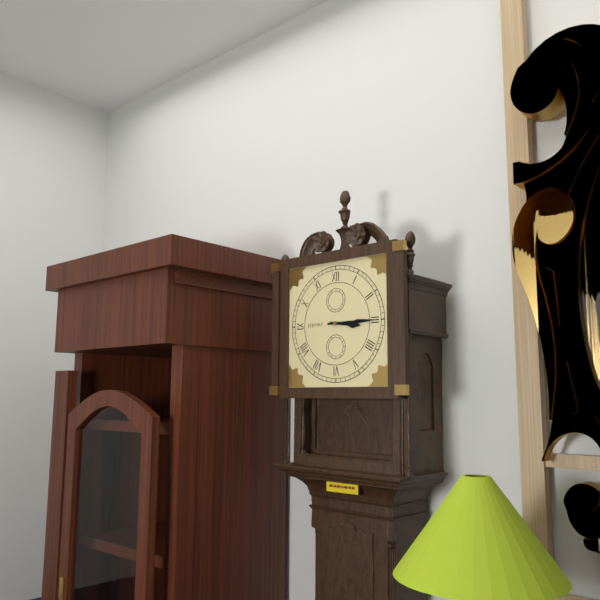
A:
h=3 m=15
